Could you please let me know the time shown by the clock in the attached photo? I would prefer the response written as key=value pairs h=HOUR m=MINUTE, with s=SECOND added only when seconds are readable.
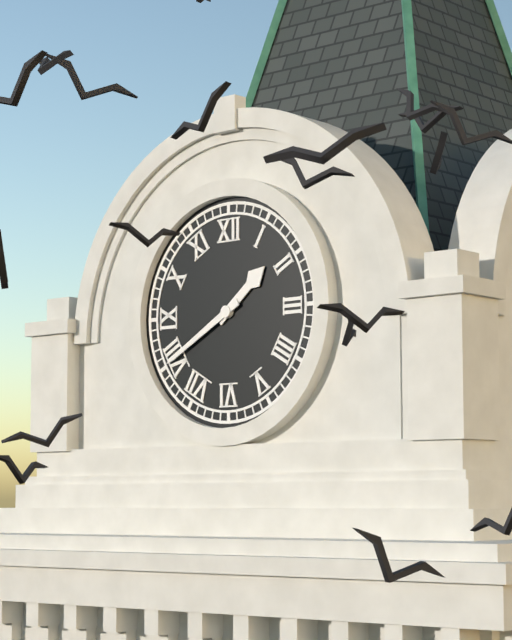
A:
h=1 m=40
